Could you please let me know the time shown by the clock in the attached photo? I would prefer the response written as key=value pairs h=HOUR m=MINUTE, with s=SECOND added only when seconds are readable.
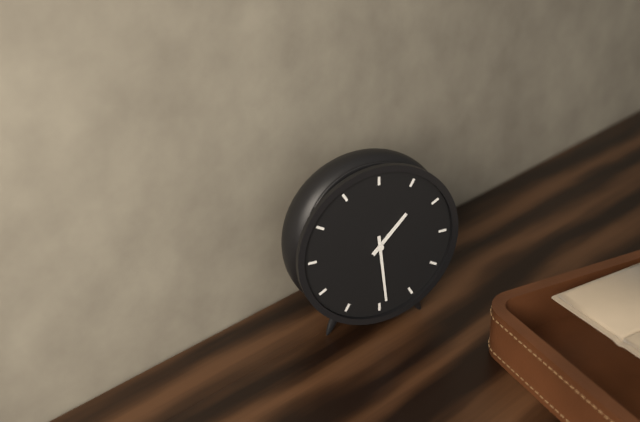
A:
h=1 m=29
